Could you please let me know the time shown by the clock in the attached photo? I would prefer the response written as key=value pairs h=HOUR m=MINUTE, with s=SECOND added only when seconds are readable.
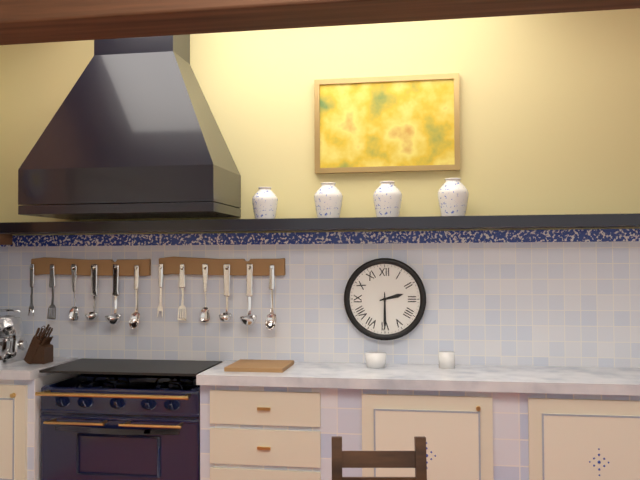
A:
h=2 m=30
